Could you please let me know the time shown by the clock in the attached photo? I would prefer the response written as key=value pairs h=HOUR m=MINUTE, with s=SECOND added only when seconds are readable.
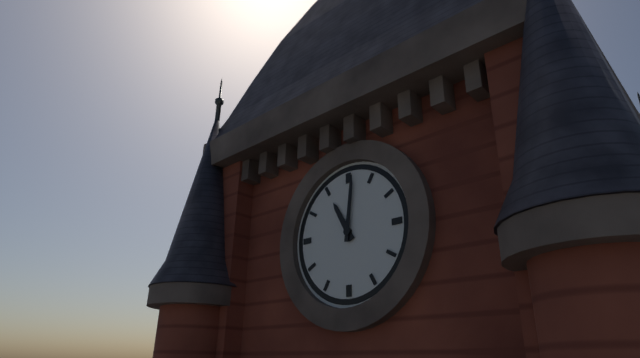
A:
h=11 m=1
